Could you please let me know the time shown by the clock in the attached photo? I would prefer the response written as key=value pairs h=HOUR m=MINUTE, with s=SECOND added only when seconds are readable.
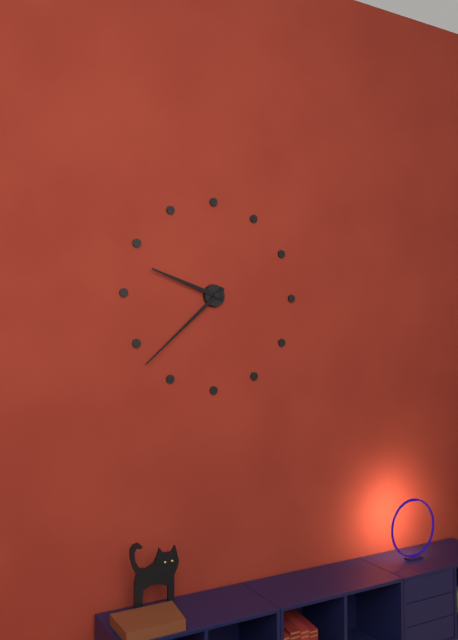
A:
h=9 m=38
